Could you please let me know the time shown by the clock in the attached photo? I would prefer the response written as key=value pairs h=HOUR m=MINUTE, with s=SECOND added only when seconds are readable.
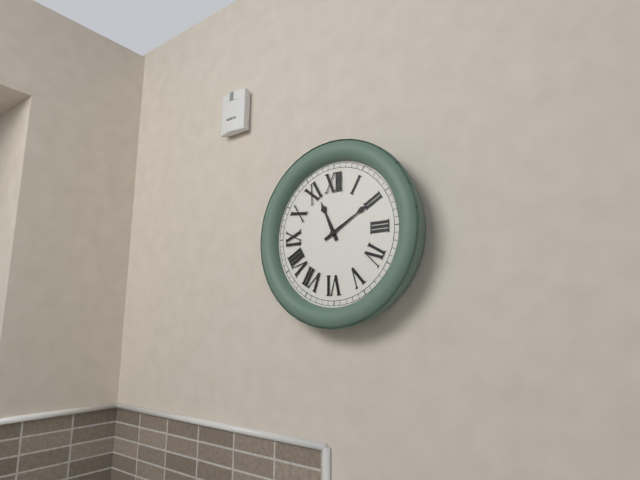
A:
h=11 m=10
